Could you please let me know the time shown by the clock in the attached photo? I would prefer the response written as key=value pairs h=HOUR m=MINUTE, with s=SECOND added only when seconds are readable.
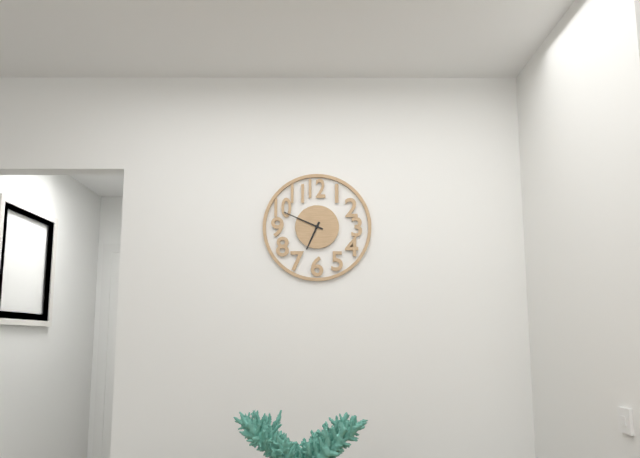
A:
h=6 m=49
